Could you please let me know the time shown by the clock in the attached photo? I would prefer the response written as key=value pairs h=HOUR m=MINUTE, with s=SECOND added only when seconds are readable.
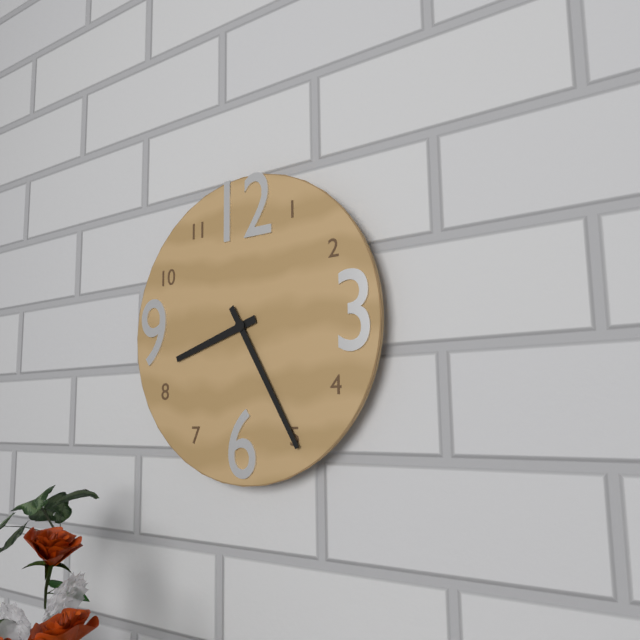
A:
h=8 m=25
